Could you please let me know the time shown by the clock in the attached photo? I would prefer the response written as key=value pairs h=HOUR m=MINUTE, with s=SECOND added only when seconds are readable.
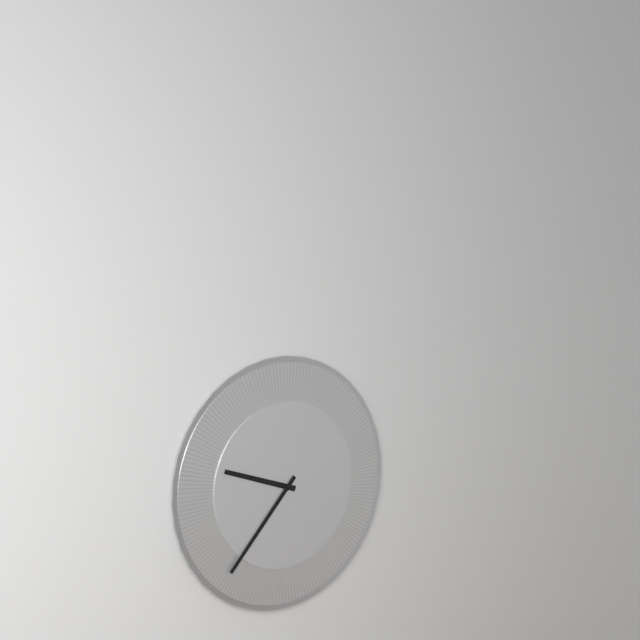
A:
h=9 m=37
